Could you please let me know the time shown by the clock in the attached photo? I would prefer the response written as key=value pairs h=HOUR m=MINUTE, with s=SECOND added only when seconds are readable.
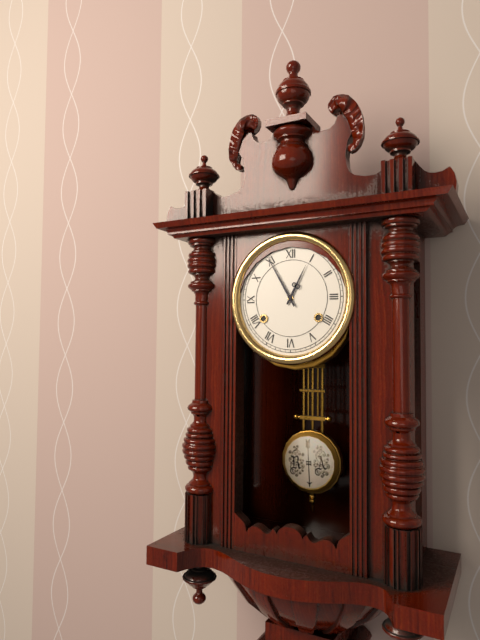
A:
h=12 m=55
